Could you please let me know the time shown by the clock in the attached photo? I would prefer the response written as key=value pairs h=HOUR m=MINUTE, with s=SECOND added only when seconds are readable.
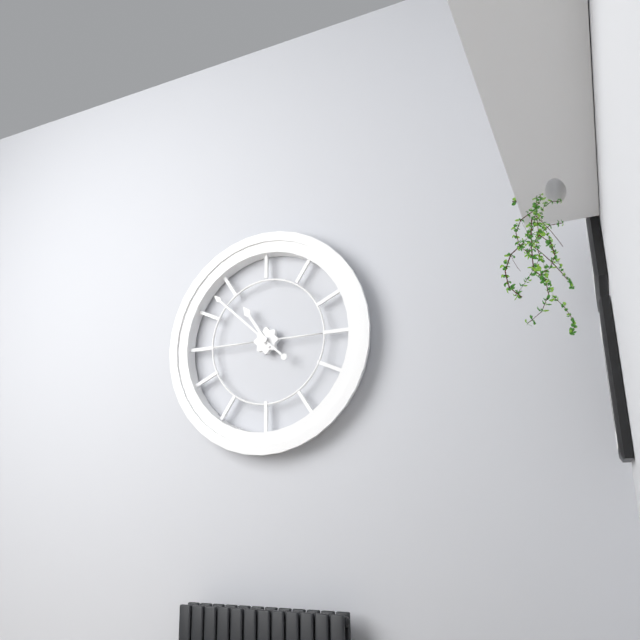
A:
h=10 m=52
